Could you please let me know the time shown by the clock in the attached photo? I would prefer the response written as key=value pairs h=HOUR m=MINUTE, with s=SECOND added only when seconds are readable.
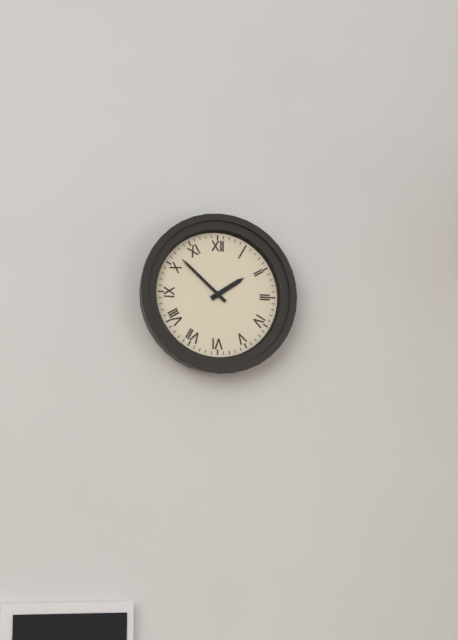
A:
h=1 m=52
